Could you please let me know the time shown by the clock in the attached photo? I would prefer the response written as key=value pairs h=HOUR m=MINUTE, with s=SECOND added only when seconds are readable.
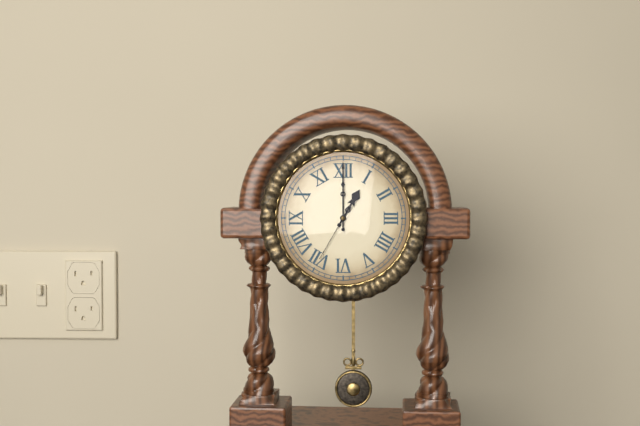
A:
h=1 m=0 s=35
